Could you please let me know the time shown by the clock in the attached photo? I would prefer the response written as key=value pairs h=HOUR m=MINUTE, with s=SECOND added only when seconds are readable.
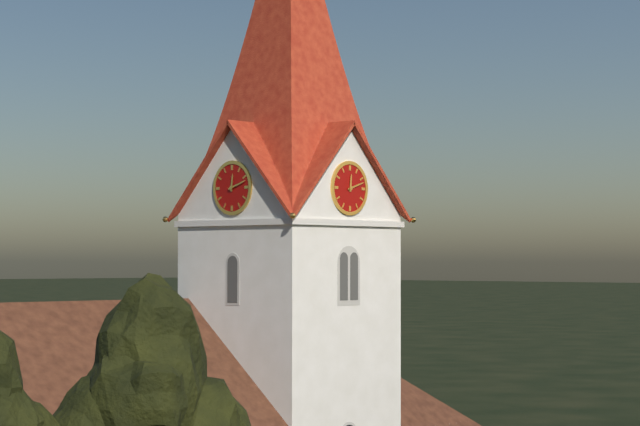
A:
h=12 m=12
